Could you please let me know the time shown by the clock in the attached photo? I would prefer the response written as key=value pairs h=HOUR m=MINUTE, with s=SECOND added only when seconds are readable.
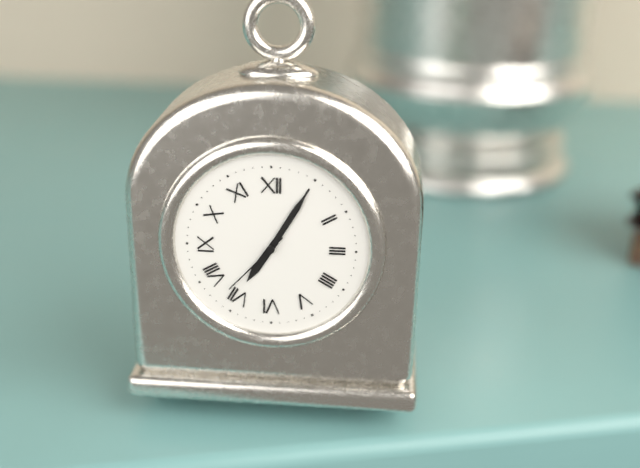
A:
h=7 m=5 s=37
